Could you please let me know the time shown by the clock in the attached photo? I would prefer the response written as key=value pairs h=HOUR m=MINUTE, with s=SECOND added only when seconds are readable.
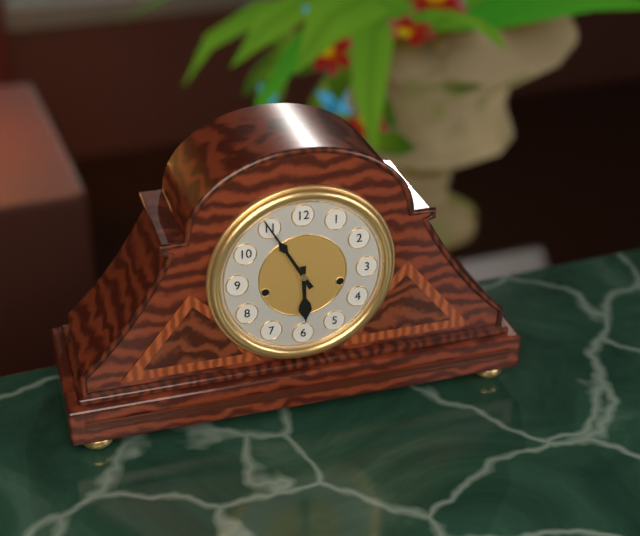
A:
h=5 m=55
